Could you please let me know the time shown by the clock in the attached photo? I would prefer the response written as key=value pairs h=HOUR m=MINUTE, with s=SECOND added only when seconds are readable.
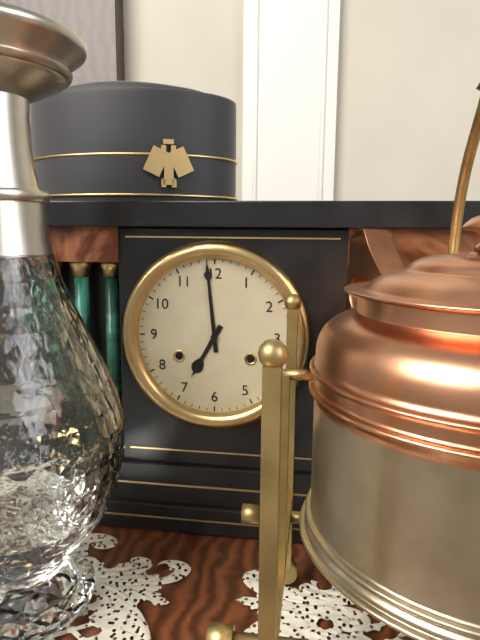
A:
h=6 m=59
